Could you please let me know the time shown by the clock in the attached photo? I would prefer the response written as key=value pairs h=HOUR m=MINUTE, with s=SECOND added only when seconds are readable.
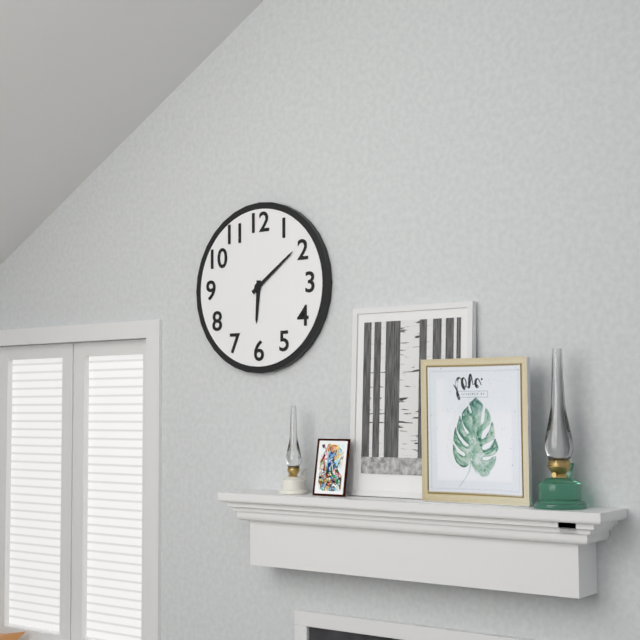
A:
h=6 m=9
